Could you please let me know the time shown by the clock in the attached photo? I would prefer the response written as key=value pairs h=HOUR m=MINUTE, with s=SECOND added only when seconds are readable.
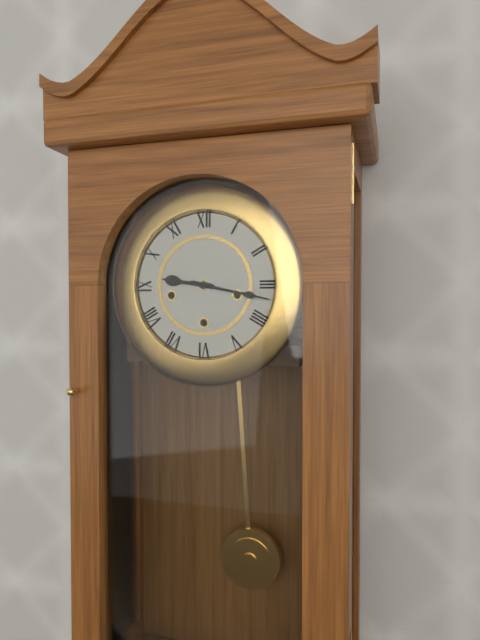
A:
h=9 m=17
